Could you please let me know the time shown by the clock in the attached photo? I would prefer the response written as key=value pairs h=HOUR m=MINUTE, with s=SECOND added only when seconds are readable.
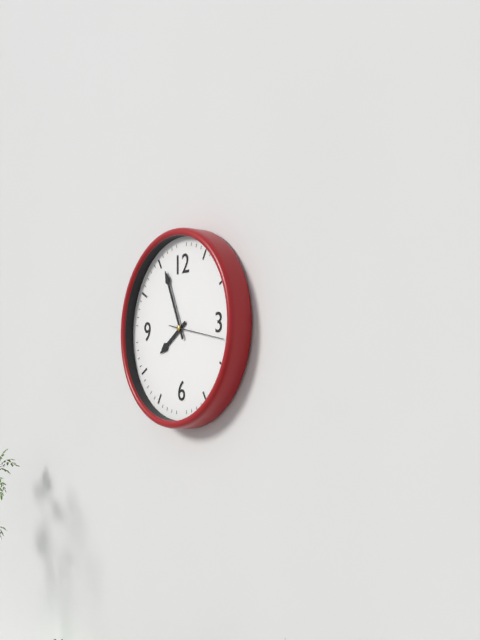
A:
h=7 m=56 s=17
